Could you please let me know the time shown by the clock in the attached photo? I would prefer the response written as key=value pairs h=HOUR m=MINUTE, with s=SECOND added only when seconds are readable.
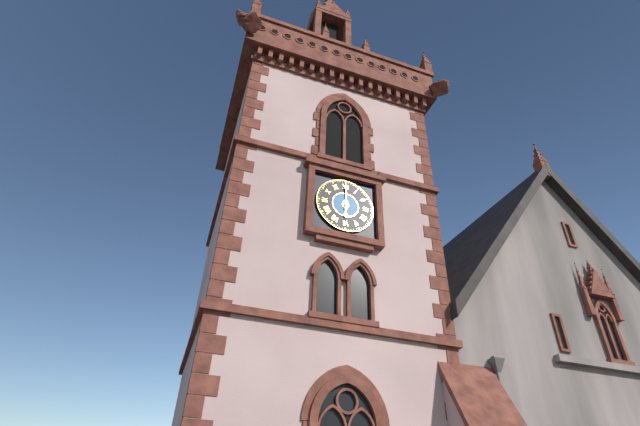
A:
h=6 m=0
